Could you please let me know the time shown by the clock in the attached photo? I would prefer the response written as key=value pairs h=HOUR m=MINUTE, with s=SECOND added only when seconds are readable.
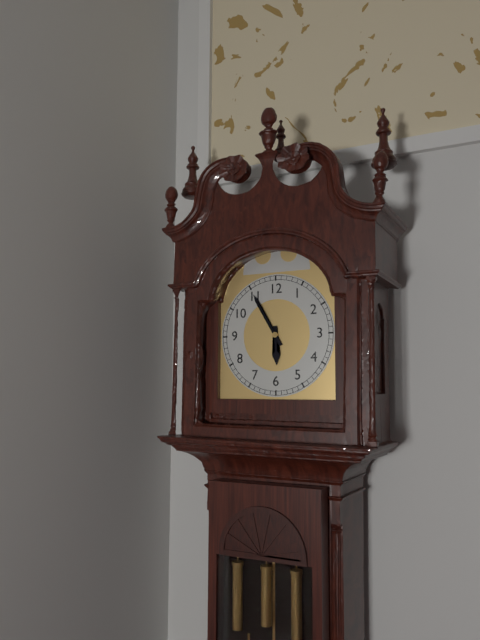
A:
h=5 m=55
